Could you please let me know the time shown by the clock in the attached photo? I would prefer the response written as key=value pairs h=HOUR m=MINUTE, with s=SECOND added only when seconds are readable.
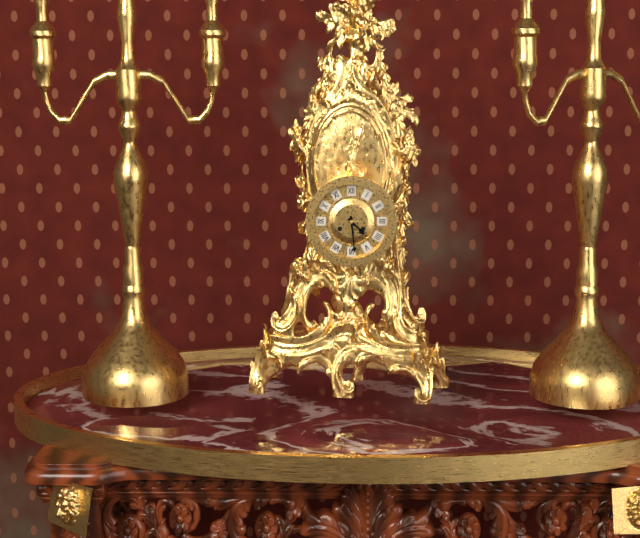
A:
h=4 m=29
